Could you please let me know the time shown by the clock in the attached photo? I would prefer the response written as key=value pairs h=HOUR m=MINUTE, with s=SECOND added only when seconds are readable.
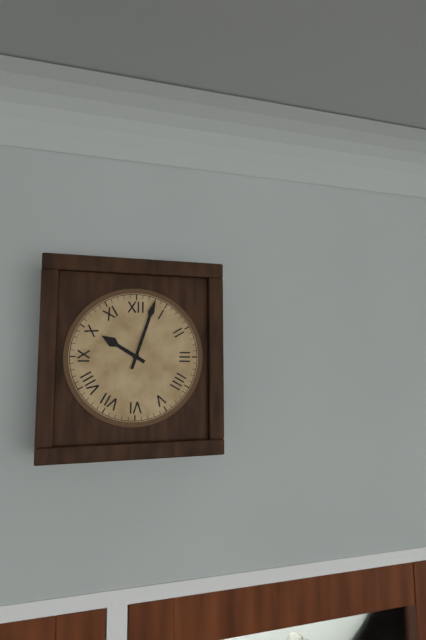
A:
h=10 m=3
